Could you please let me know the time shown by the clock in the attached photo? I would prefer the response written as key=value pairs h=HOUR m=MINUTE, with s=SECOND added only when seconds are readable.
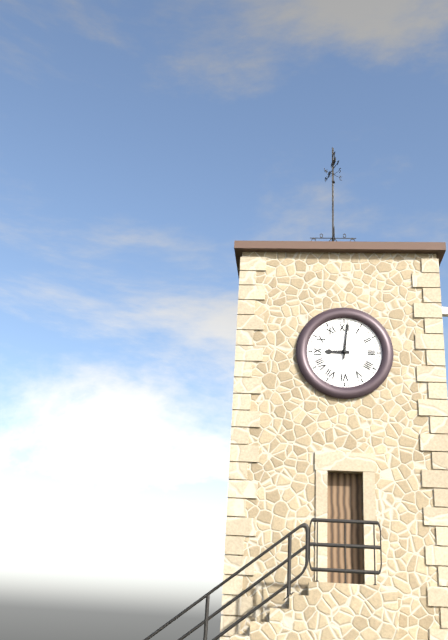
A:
h=9 m=1
